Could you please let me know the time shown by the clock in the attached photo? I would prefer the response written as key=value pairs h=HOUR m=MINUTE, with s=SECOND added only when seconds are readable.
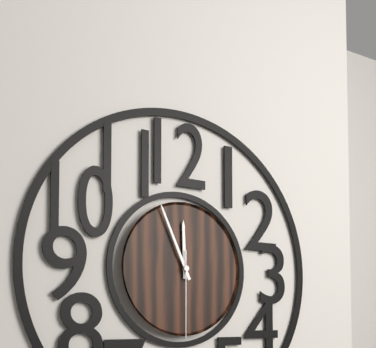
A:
h=11 m=56 s=30
